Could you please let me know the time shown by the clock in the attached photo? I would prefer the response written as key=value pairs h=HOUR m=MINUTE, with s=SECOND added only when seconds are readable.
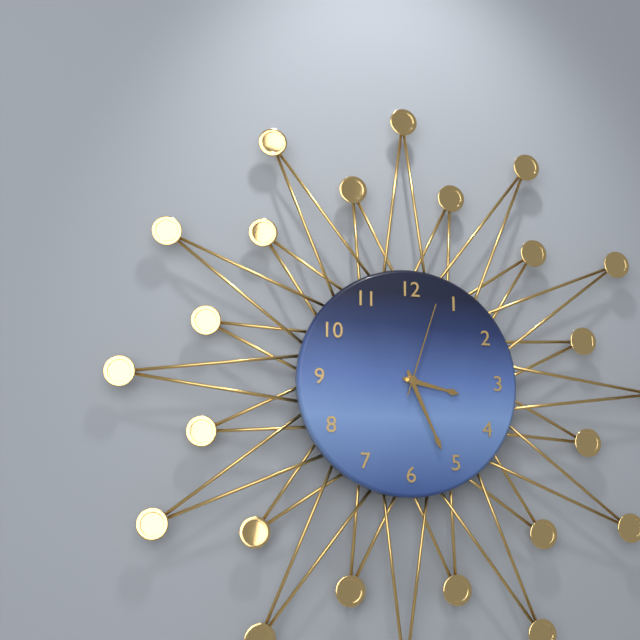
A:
h=3 m=26 s=3
